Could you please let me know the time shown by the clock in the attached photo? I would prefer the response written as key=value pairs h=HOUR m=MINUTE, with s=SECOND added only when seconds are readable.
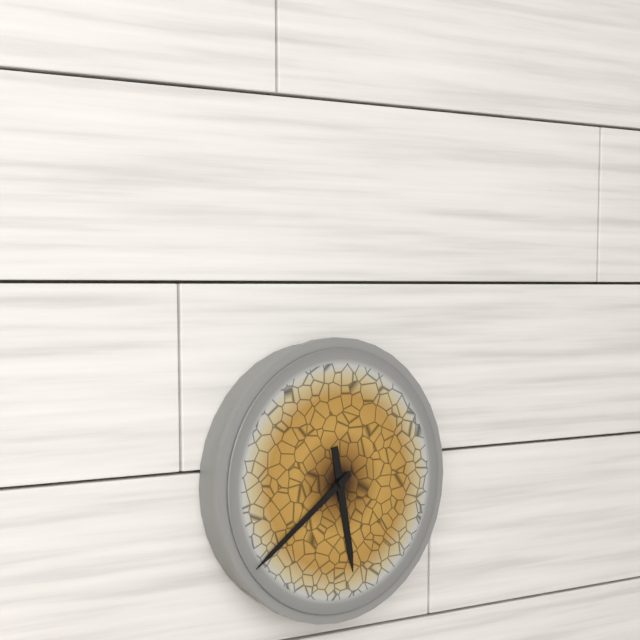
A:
h=5 m=39
